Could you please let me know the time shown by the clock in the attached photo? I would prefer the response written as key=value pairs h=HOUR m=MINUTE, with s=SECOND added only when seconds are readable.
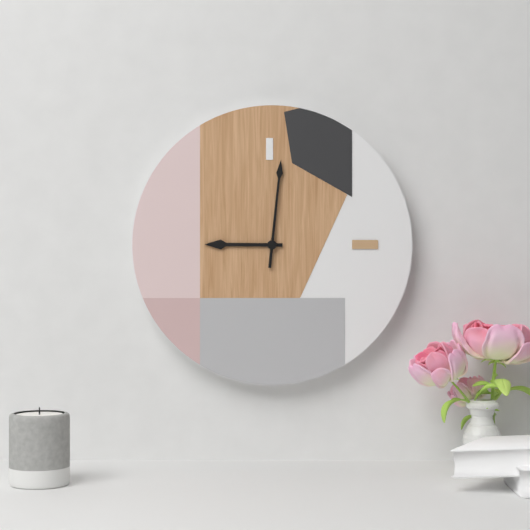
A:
h=9 m=1
